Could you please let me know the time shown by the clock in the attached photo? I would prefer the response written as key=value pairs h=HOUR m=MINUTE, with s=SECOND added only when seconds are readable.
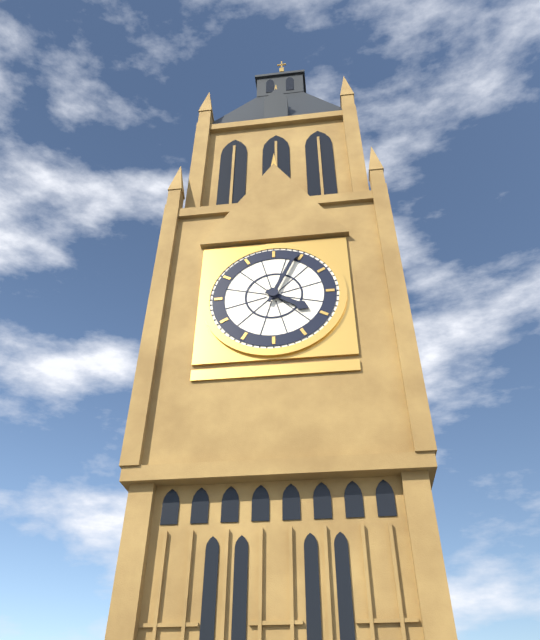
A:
h=4 m=4
